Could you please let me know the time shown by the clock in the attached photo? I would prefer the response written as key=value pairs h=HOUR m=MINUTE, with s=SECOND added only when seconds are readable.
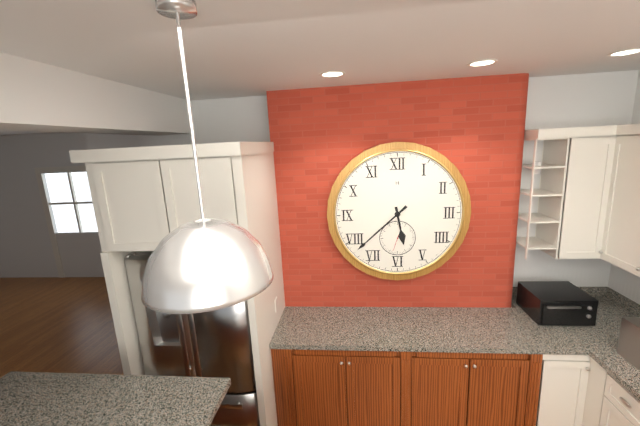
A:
h=5 m=38
